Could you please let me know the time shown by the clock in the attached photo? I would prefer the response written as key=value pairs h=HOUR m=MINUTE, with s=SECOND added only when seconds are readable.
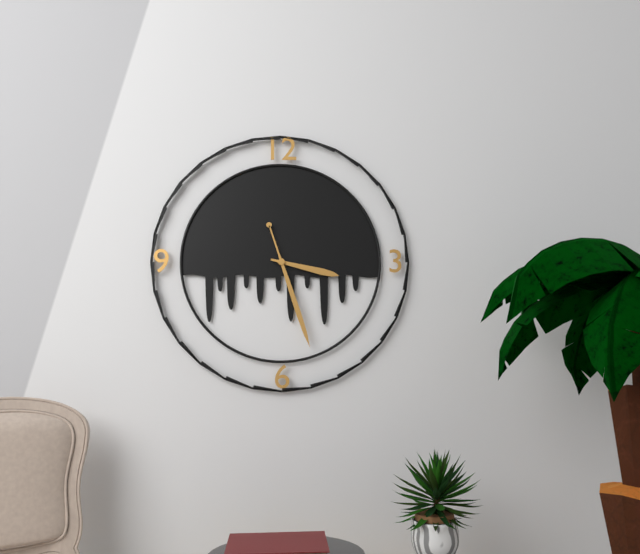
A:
h=3 m=27
